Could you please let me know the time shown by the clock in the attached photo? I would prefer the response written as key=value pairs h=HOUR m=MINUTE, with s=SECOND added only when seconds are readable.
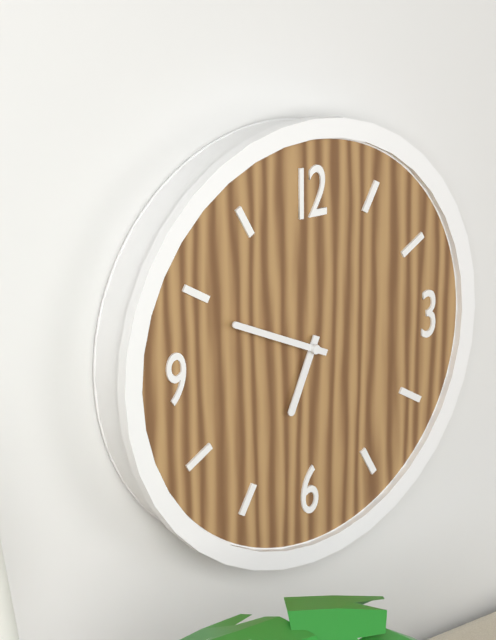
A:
h=6 m=49
